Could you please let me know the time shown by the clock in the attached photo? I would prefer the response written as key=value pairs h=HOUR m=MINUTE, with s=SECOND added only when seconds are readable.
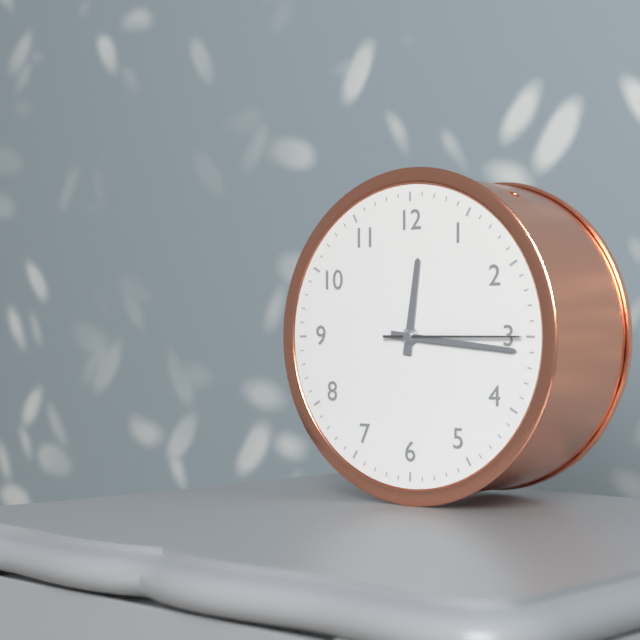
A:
h=12 m=16 s=15
